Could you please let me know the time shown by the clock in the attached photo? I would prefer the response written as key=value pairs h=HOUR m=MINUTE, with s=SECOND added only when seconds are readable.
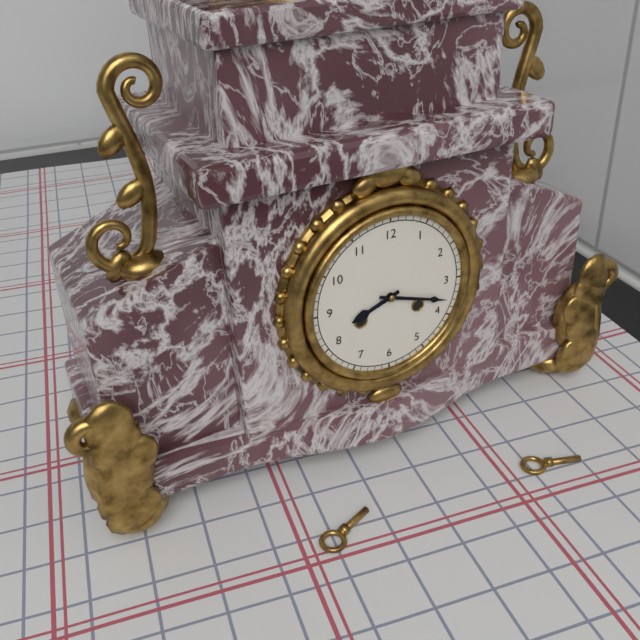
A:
h=8 m=18
